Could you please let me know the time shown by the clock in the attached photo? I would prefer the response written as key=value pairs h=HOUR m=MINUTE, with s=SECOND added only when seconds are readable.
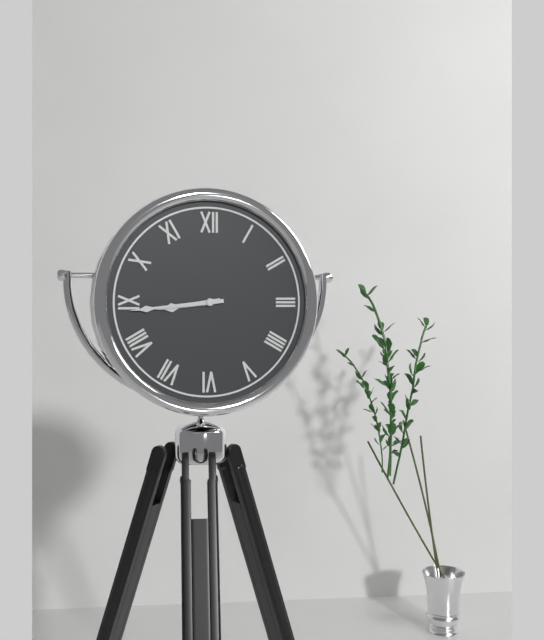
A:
h=8 m=44
